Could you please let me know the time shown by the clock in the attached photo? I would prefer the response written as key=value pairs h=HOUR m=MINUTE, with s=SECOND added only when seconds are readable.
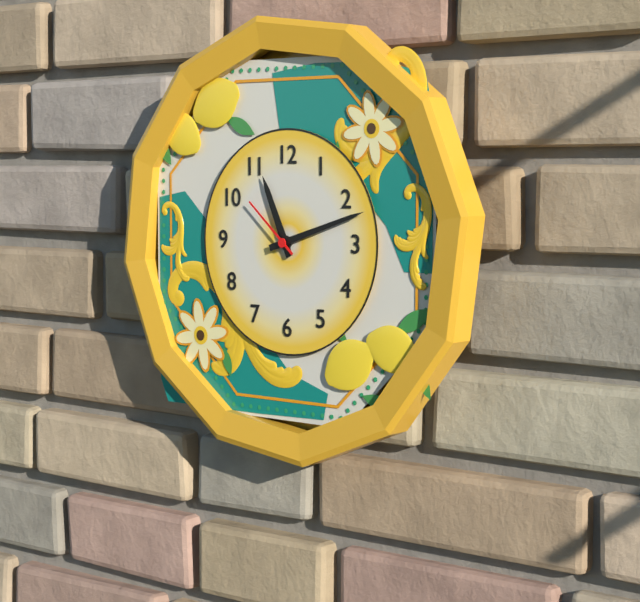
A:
h=11 m=12 s=52
